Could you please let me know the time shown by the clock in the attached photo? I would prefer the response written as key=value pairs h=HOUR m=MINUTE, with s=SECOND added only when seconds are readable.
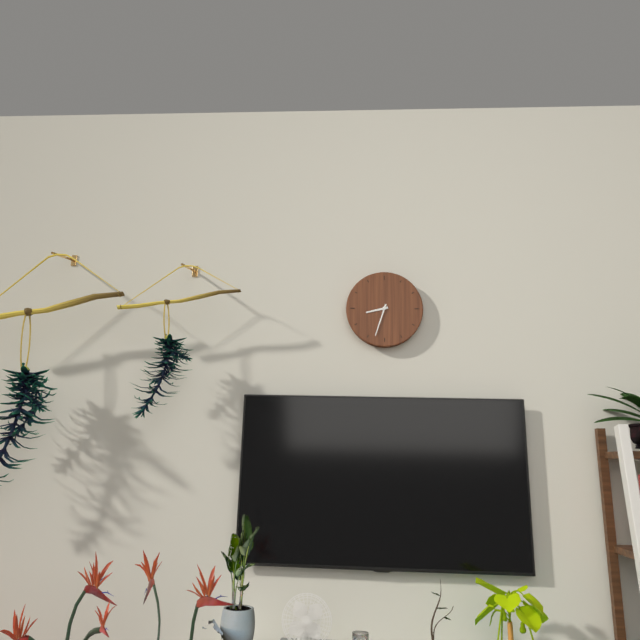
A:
h=8 m=33
